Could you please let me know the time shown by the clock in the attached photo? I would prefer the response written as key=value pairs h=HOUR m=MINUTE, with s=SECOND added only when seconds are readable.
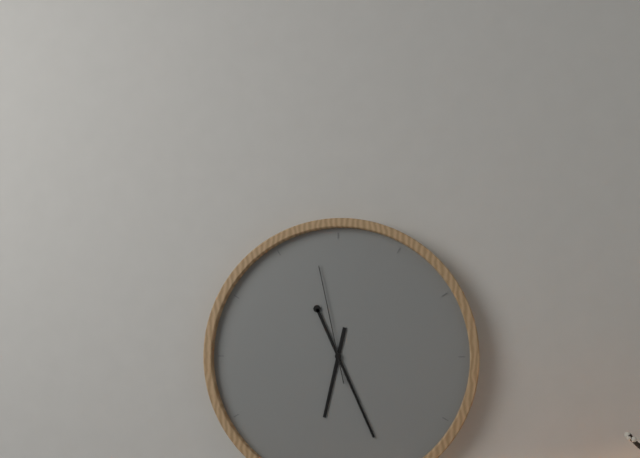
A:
h=6 m=26 s=58
